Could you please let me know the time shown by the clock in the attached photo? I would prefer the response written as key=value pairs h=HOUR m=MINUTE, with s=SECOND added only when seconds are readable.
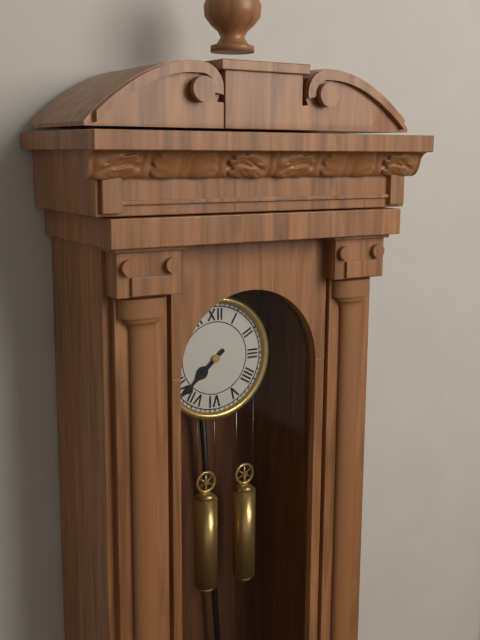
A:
h=7 m=38
